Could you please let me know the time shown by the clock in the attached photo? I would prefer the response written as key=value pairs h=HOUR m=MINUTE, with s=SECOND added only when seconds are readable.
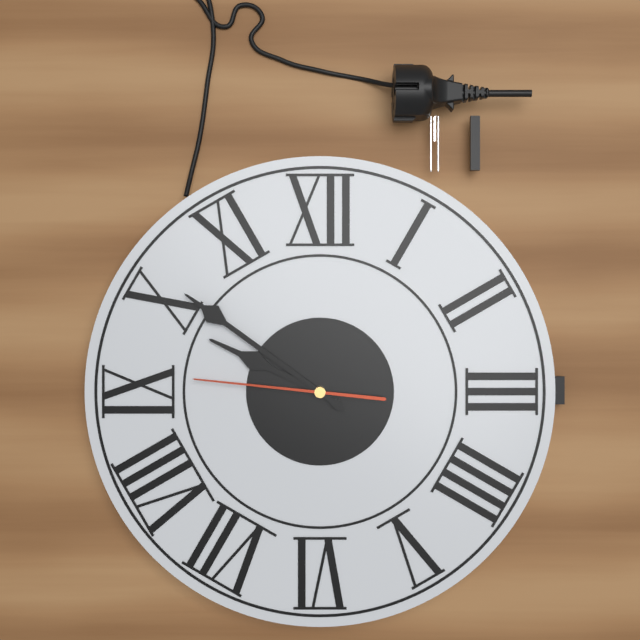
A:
h=9 m=51 s=46
